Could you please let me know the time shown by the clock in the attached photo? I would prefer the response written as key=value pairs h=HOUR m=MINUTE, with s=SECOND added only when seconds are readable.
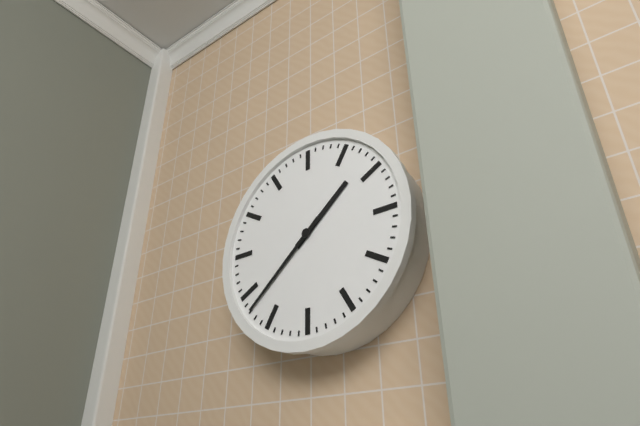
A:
h=1 m=38
